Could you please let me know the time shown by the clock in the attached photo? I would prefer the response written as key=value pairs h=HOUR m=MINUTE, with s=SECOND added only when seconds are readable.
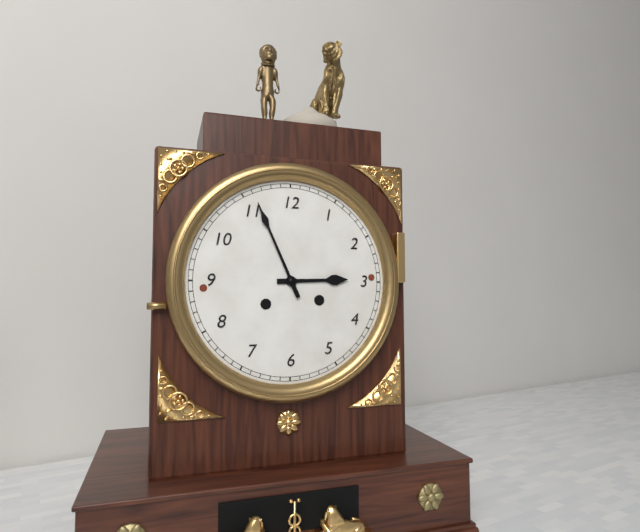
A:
h=2 m=56
